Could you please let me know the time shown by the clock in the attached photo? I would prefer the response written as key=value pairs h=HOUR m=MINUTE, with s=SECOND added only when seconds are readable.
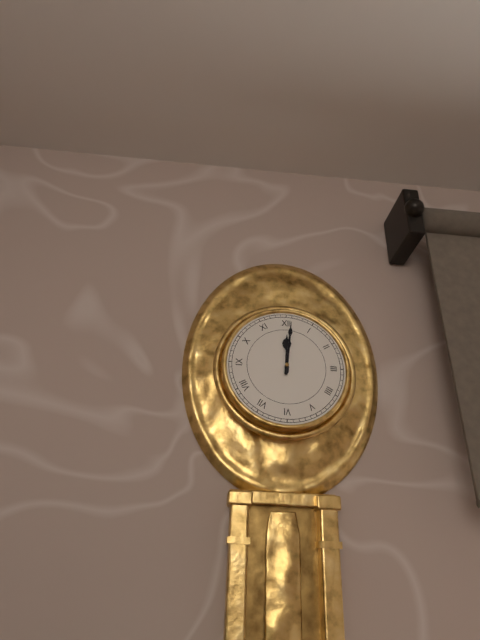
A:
h=12 m=1
